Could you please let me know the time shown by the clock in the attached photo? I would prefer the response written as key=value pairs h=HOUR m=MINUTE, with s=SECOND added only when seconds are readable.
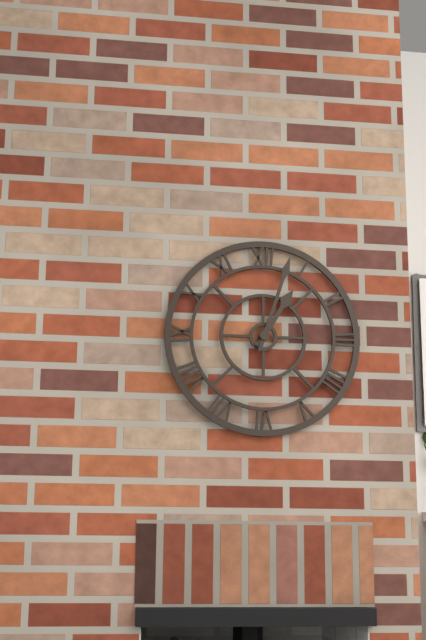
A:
h=1 m=3
